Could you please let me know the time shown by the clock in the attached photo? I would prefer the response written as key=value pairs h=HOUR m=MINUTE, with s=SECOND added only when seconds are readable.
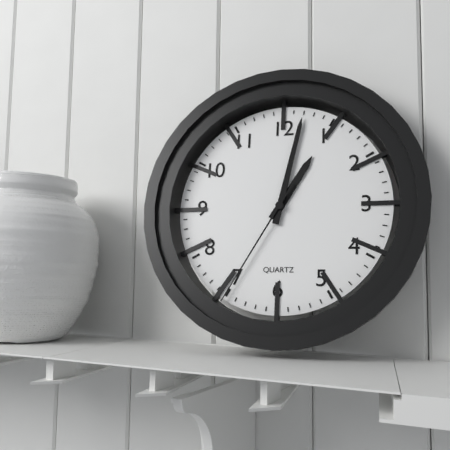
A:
h=1 m=2 s=35
